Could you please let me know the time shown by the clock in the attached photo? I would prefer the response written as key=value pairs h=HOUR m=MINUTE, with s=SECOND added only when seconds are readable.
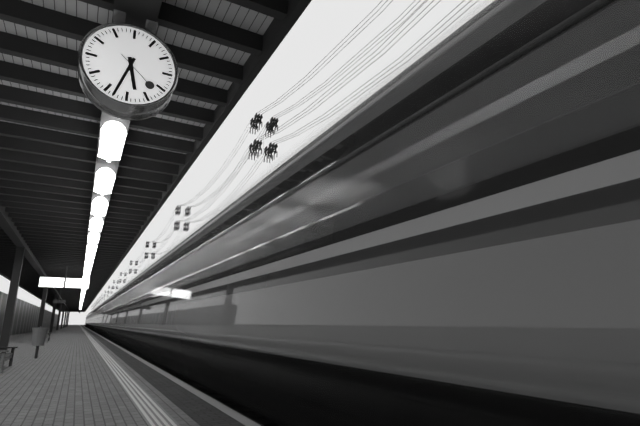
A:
h=5 m=33
